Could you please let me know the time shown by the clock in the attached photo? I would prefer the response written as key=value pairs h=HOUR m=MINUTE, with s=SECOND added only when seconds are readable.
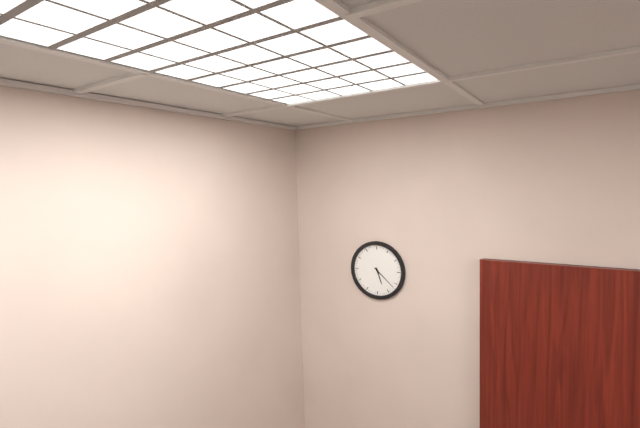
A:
h=5 m=22
